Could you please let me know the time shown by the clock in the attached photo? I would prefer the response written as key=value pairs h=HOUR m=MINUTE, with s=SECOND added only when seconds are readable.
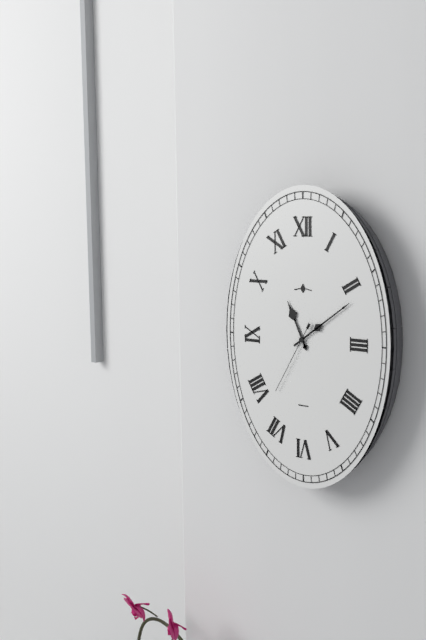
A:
h=11 m=9 s=35
